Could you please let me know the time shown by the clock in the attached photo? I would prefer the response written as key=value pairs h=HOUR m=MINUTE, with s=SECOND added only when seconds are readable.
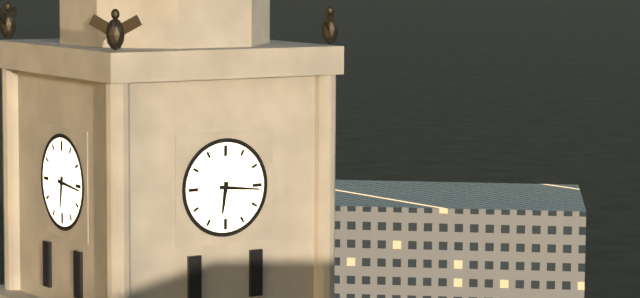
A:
h=6 m=16
